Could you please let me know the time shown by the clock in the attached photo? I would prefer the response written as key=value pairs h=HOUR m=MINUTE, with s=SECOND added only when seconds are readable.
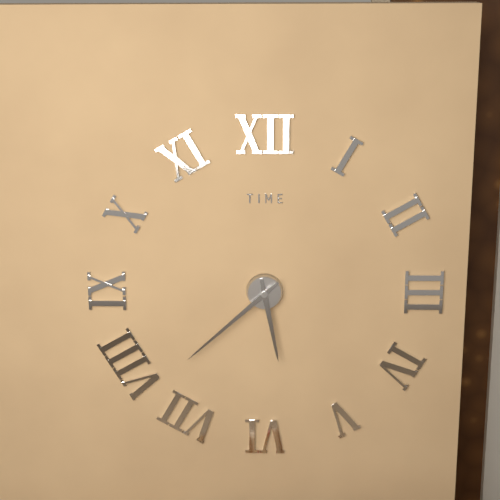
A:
h=5 m=38
